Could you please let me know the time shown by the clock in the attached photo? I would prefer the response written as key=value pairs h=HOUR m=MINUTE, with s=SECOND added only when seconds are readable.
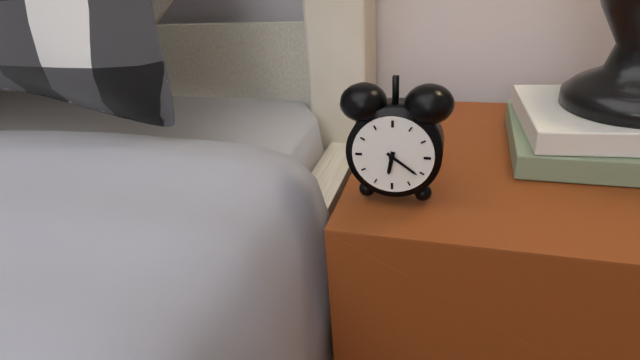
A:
h=6 m=21
